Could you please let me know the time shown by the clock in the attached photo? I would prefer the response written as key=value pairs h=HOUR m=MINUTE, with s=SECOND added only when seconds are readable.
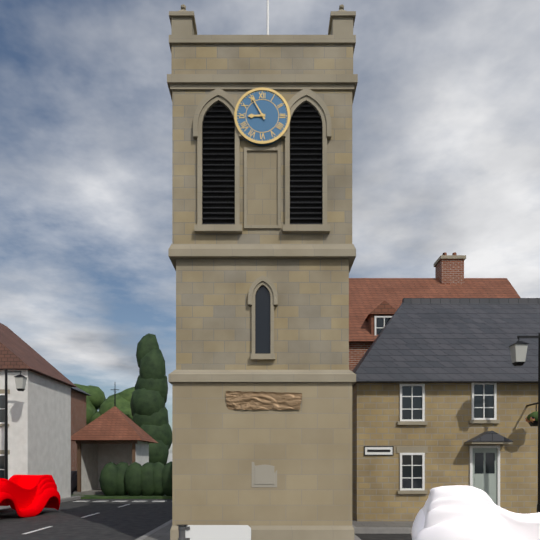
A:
h=8 m=55
